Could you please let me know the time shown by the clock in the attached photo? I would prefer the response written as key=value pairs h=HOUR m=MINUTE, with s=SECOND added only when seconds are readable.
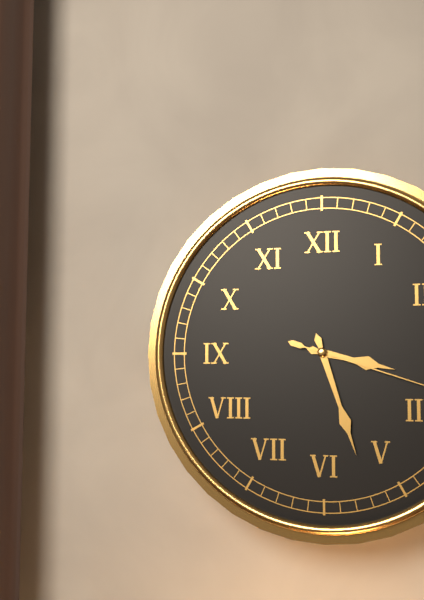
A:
h=3 m=27
